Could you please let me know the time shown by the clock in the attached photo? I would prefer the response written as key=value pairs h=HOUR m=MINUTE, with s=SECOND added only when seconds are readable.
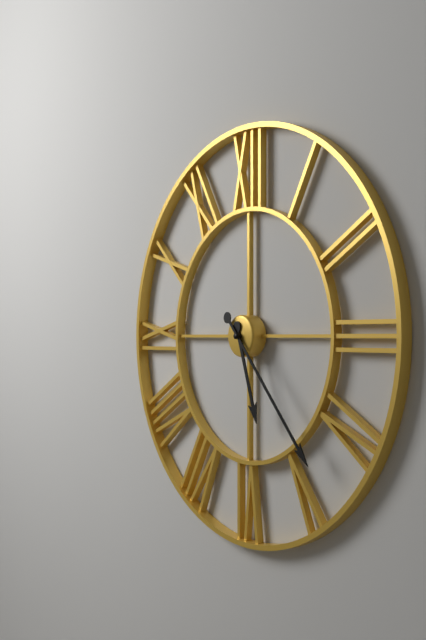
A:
h=5 m=23
